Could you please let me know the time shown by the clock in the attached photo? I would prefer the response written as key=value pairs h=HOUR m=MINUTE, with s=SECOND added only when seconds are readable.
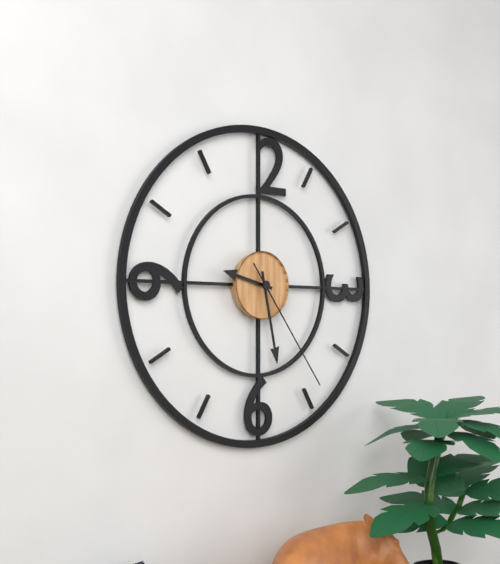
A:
h=9 m=28 s=24
